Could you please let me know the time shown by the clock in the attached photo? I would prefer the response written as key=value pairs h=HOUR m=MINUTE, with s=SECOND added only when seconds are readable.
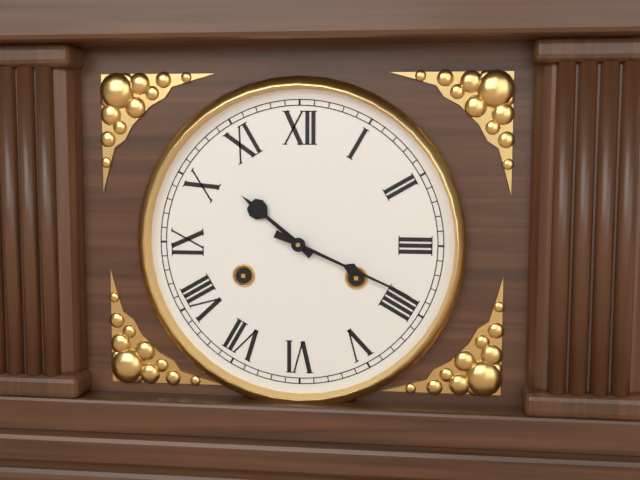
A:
h=10 m=19
